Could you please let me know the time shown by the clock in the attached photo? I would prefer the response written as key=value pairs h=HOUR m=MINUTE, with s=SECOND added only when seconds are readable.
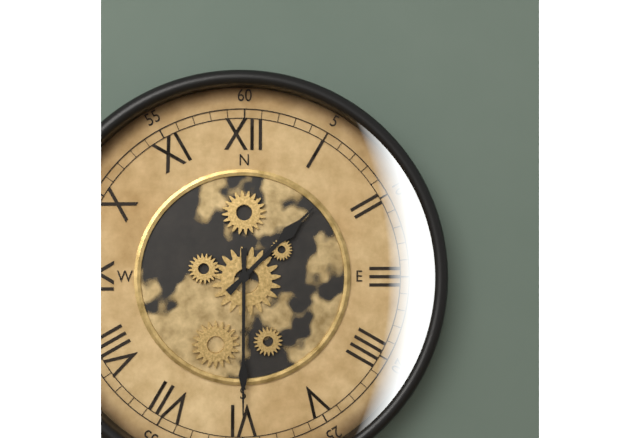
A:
h=1 m=30
